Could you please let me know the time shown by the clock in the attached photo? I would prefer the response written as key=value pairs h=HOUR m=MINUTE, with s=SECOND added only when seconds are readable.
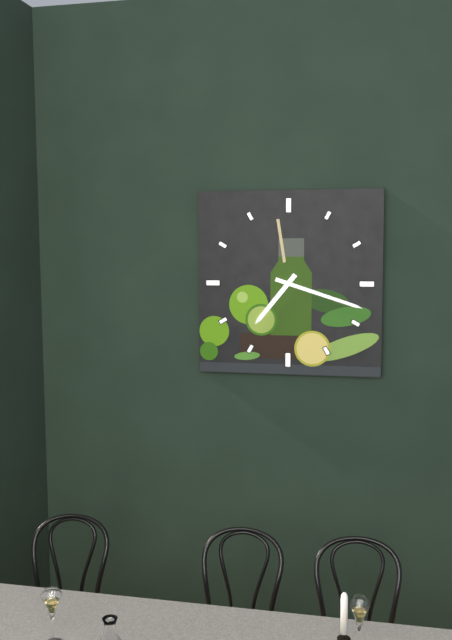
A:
h=7 m=18
